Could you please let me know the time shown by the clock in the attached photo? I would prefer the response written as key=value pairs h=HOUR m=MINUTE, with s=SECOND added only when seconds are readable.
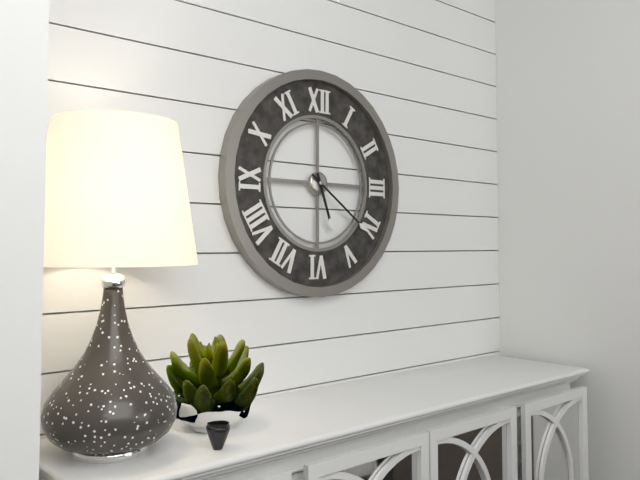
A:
h=5 m=21
